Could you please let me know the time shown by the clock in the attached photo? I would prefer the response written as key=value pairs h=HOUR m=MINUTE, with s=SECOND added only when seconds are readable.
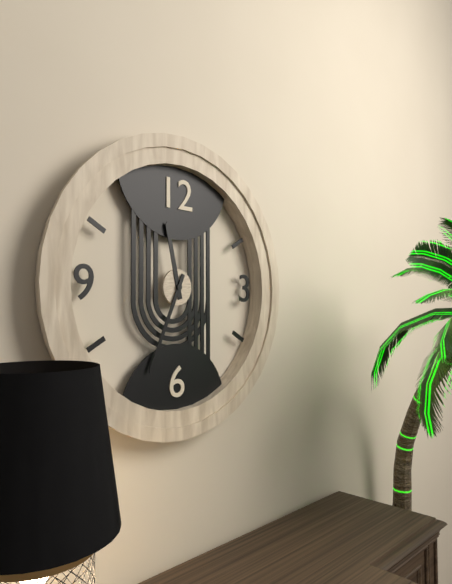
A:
h=11 m=34
